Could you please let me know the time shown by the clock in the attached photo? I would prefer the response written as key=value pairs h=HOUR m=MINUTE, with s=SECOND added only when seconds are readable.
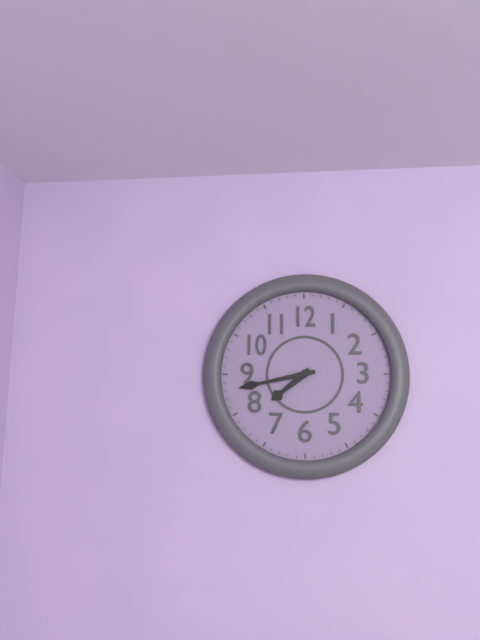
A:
h=7 m=43
